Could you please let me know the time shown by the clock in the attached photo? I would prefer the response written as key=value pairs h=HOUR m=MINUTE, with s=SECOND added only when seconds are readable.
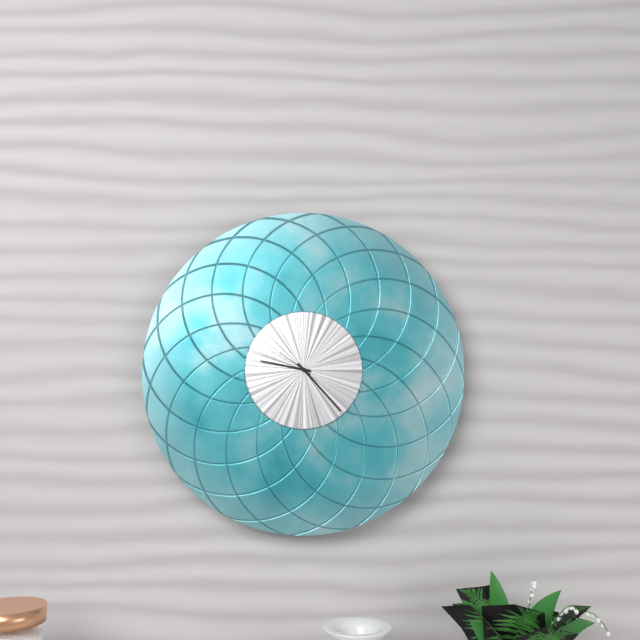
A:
h=9 m=23
